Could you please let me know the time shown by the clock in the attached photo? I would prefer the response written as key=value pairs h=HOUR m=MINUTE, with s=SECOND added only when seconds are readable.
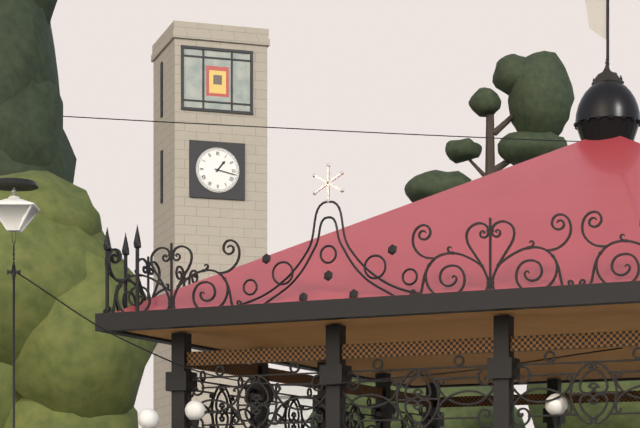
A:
h=1 m=17
